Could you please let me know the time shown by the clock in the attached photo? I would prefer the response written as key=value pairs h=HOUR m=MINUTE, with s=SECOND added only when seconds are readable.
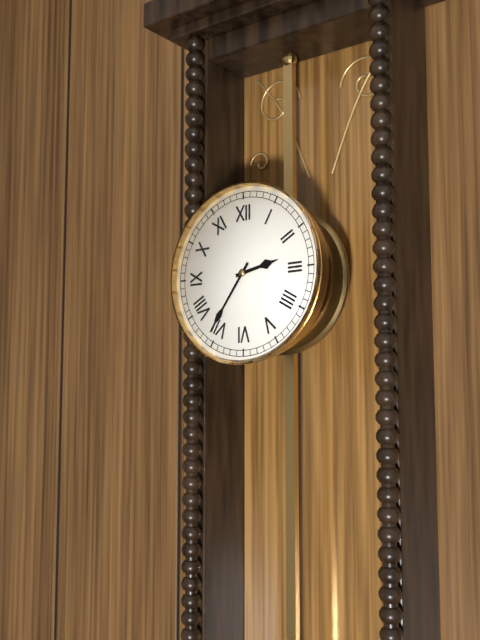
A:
h=2 m=36
